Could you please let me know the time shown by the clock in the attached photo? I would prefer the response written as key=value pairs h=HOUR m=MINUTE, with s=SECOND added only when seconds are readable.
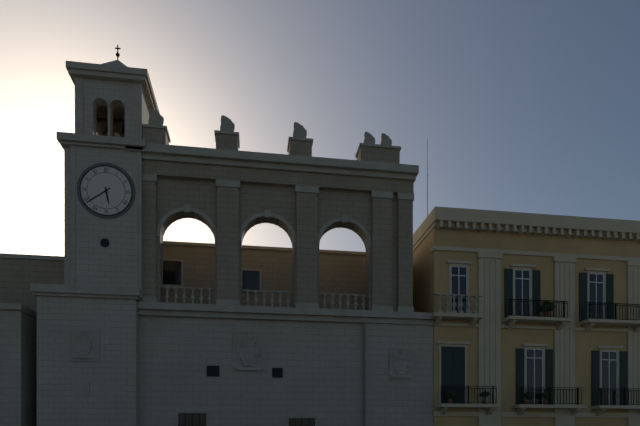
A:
h=5 m=39
